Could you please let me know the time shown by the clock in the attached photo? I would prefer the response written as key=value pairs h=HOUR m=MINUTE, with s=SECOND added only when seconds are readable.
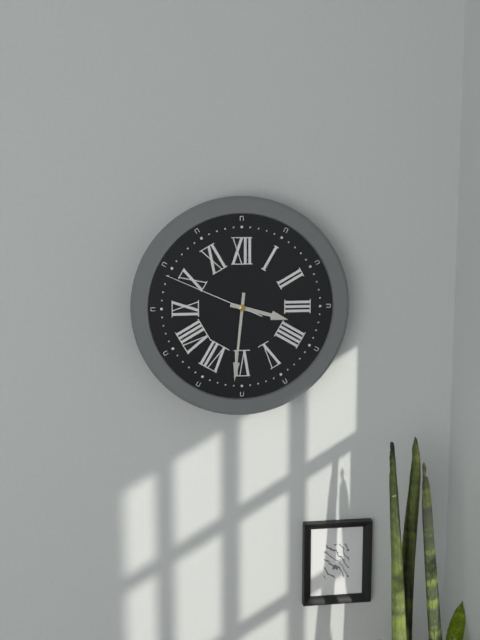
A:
h=3 m=31 s=49
